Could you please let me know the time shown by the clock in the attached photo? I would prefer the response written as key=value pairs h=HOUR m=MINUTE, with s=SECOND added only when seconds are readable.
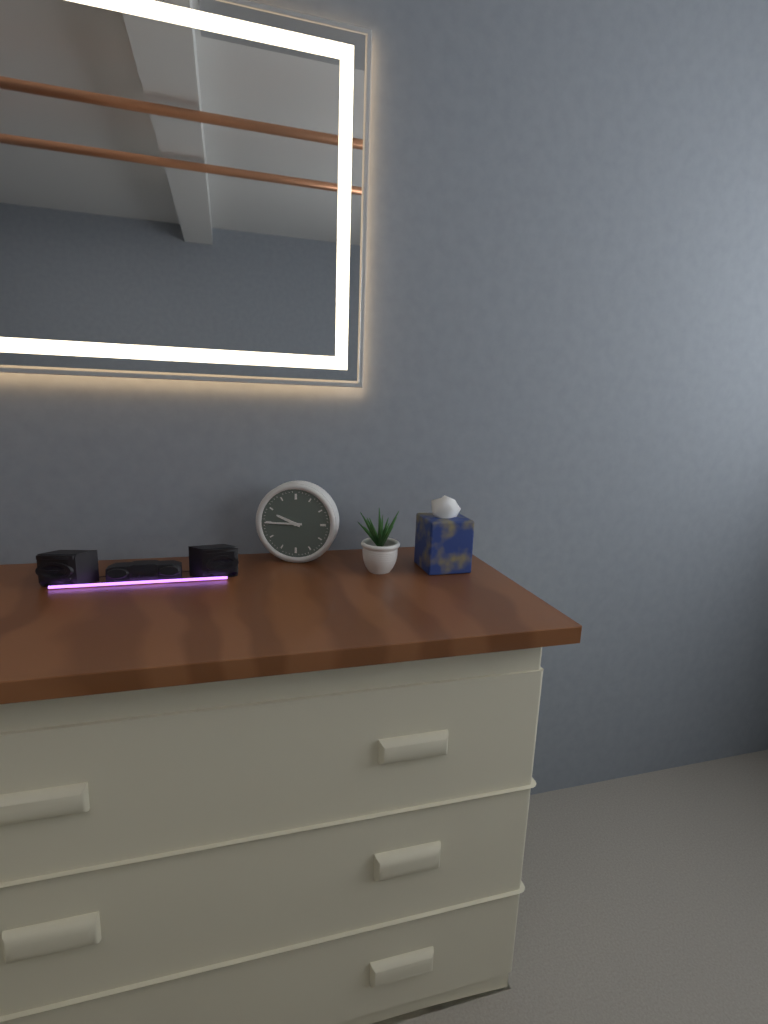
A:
h=9 m=45
